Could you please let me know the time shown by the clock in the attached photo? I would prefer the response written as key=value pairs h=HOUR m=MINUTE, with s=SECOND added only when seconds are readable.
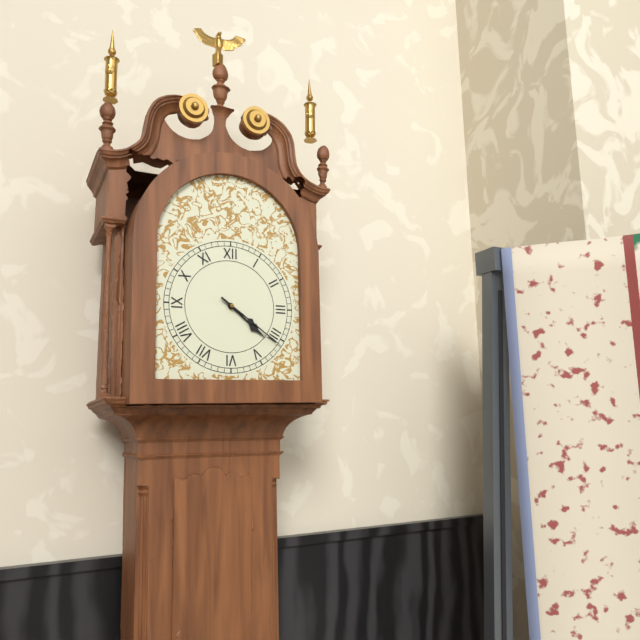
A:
h=4 m=21
